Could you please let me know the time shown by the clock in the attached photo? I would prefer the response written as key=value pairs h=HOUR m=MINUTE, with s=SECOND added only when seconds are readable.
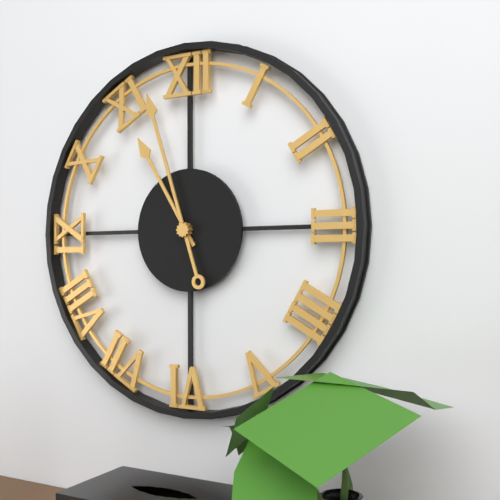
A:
h=10 m=57
